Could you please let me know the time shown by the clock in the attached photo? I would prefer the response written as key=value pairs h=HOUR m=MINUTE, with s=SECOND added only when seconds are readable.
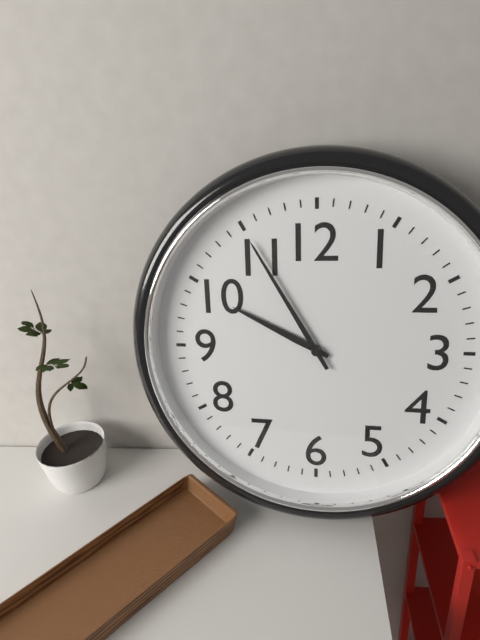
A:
h=9 m=55
